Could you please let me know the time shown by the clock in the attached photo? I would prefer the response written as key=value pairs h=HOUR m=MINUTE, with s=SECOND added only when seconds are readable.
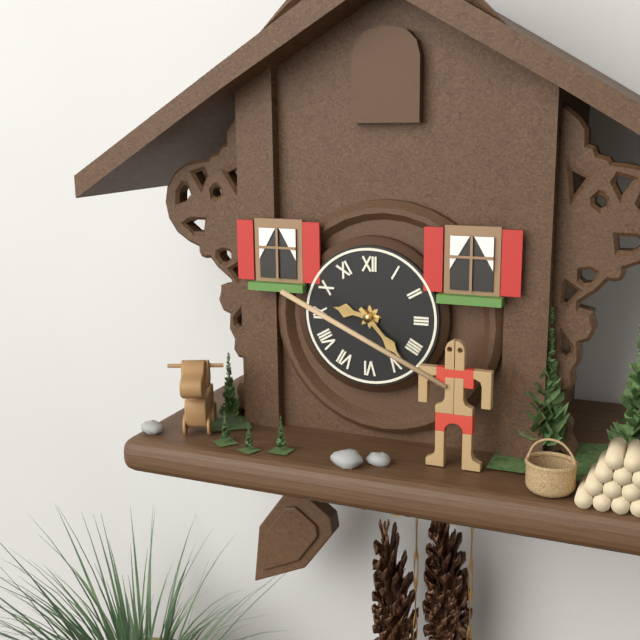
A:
h=9 m=23
